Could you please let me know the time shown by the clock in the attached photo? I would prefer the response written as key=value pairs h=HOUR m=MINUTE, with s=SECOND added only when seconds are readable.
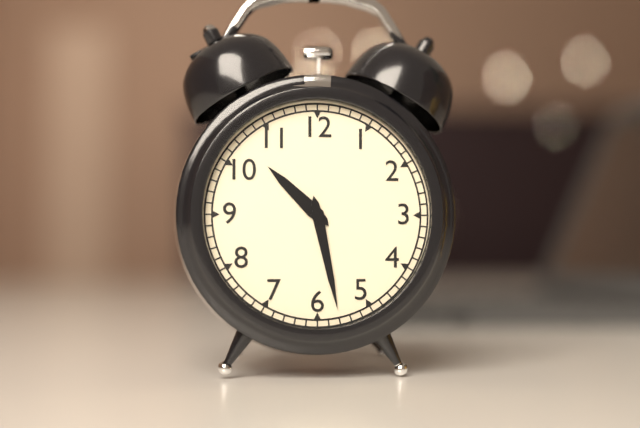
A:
h=10 m=28
